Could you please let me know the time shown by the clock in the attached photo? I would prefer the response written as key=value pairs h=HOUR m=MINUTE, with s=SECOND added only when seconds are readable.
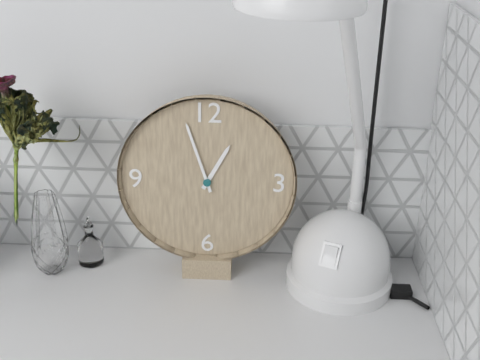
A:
h=12 m=57
